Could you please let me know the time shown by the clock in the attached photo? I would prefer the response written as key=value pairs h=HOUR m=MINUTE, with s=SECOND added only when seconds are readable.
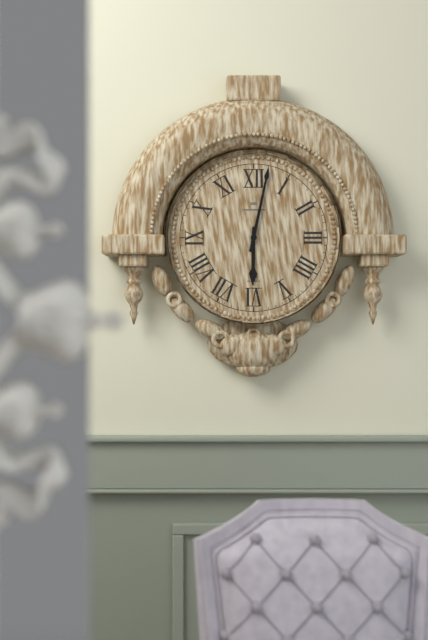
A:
h=6 m=2
